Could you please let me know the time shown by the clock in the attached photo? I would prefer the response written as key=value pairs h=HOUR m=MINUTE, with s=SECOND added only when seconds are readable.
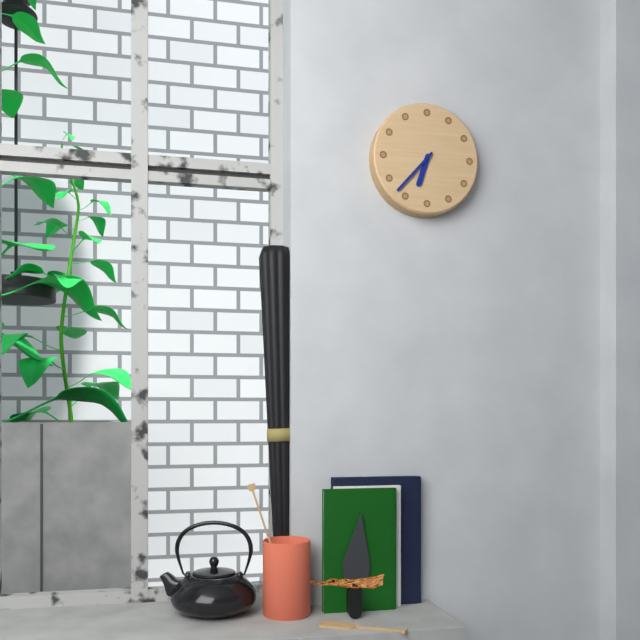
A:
h=6 m=37
